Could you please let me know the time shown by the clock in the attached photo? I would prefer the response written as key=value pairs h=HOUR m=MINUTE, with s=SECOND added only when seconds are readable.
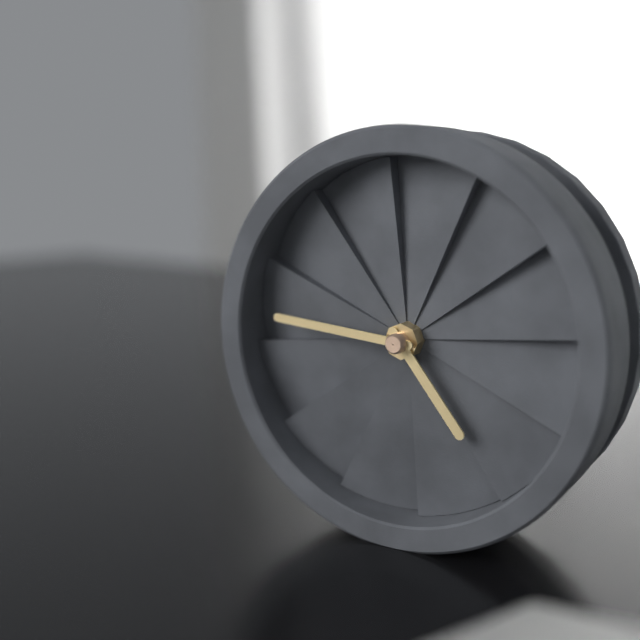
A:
h=4 m=46
